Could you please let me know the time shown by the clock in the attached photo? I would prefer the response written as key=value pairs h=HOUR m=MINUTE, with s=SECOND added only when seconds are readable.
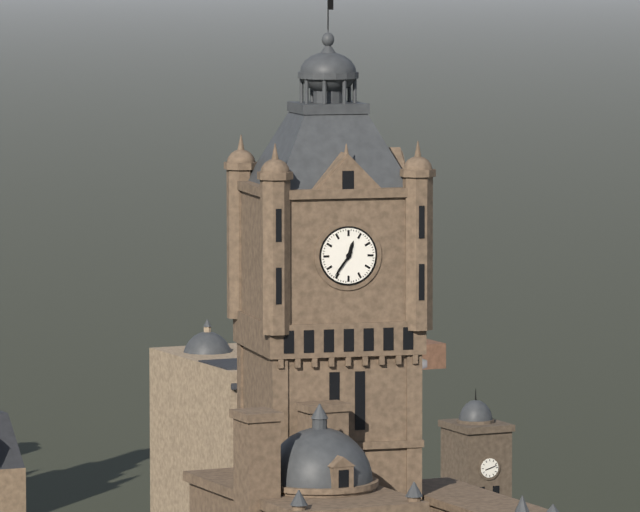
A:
h=12 m=36
